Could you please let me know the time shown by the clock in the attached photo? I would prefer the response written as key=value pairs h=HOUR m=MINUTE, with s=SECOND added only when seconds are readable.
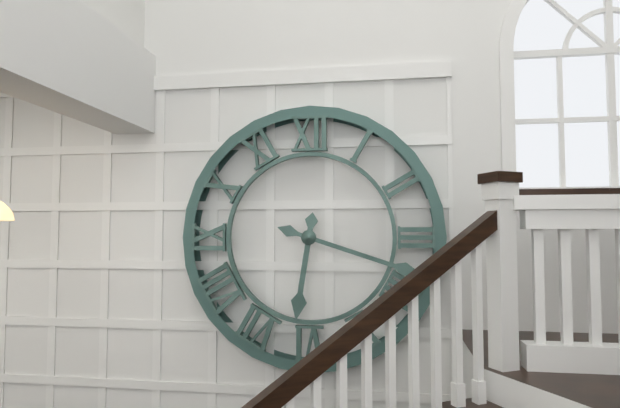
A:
h=6 m=18
